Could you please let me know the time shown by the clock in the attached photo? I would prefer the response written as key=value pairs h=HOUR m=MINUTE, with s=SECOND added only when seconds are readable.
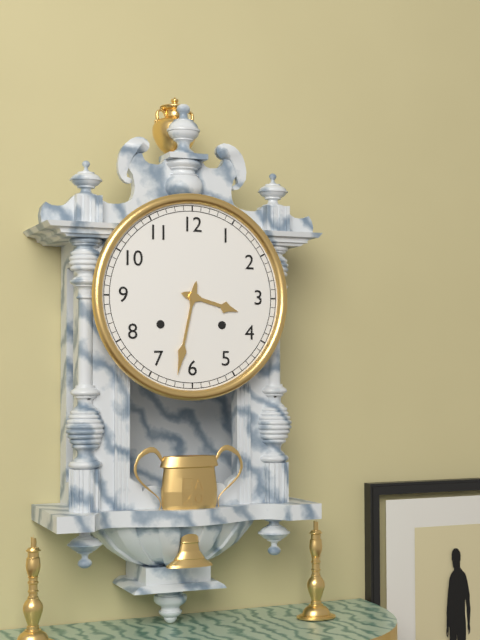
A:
h=3 m=32
